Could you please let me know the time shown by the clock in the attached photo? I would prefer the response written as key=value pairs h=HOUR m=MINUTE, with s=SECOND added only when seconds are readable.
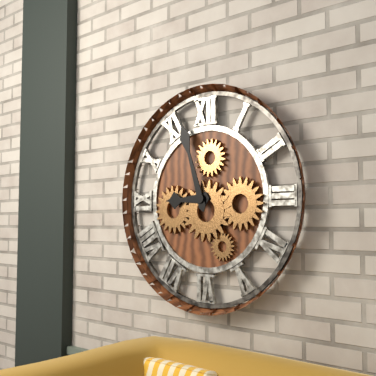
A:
h=8 m=57
